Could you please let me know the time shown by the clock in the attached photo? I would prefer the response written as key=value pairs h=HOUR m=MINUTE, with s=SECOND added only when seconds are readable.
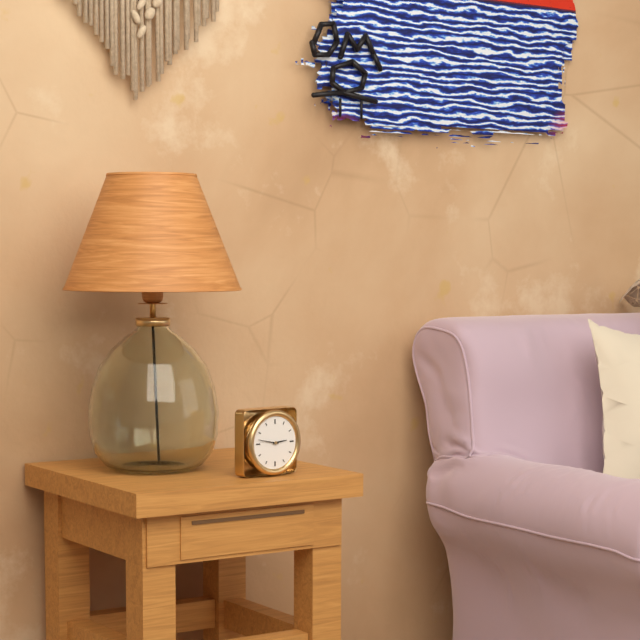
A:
h=2 m=47
